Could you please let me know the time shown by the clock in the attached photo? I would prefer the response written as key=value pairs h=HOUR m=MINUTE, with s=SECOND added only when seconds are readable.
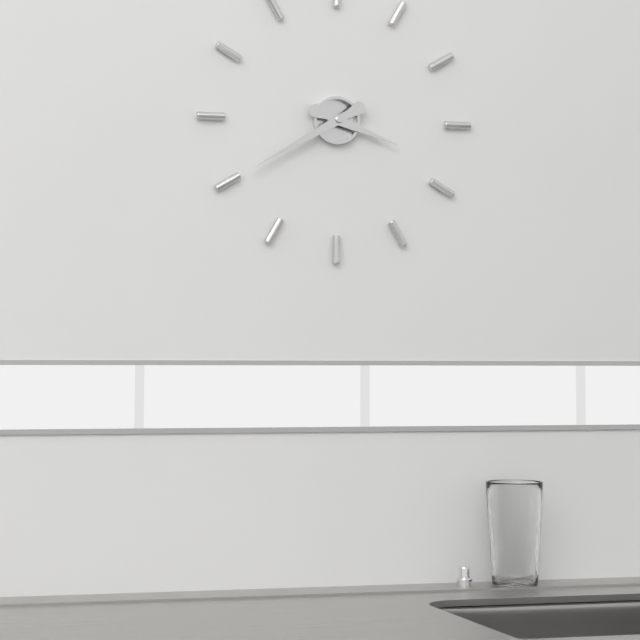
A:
h=3 m=40
